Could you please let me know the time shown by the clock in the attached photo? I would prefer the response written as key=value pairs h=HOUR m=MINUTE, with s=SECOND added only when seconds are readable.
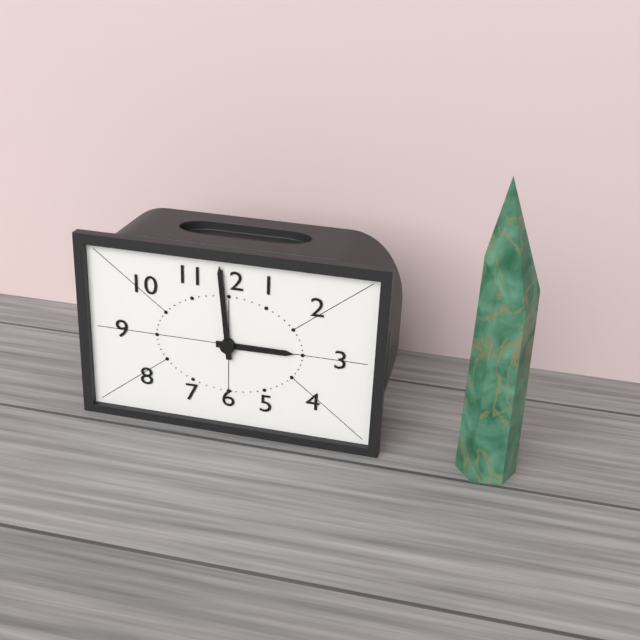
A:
h=2 m=59
